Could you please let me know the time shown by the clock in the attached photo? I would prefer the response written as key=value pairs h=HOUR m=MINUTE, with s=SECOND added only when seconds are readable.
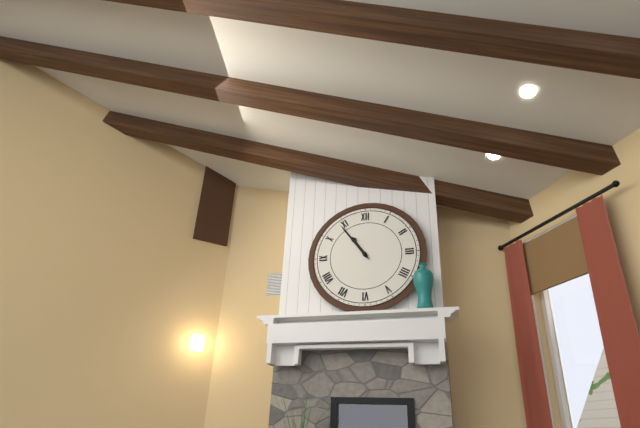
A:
h=10 m=54
